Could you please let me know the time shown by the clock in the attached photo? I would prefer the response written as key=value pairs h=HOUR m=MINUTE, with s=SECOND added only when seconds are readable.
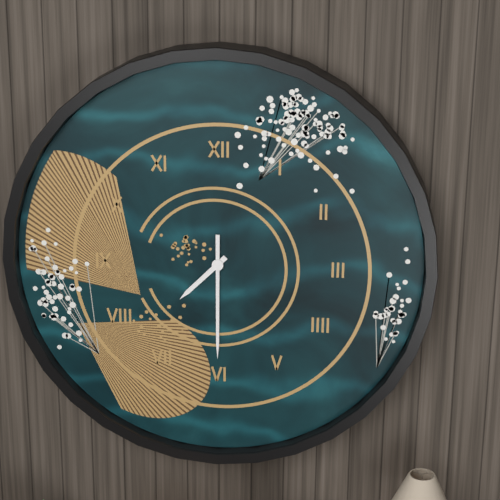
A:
h=7 m=30
